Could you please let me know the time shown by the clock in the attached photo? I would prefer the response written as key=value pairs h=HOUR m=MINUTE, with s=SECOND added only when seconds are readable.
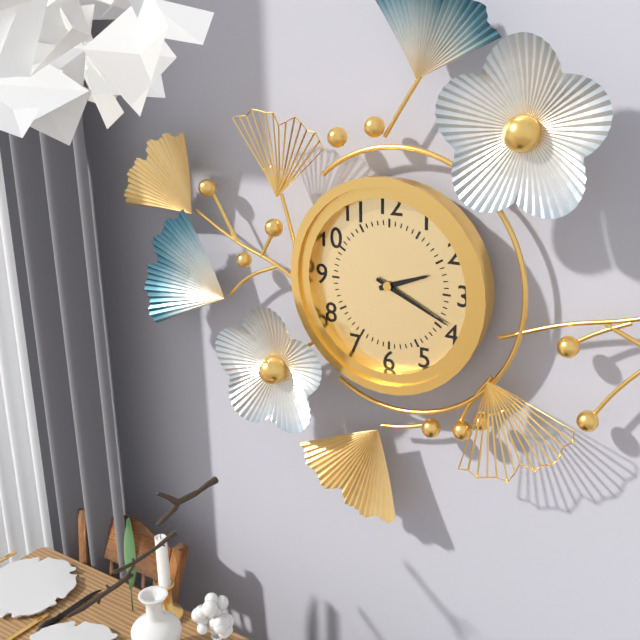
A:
h=2 m=19
